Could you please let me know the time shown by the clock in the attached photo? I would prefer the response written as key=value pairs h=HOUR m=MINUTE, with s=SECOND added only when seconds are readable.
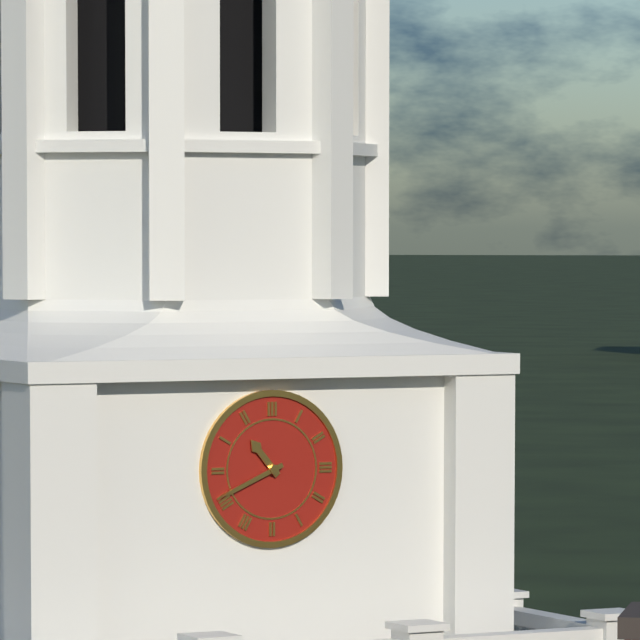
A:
h=10 m=41
